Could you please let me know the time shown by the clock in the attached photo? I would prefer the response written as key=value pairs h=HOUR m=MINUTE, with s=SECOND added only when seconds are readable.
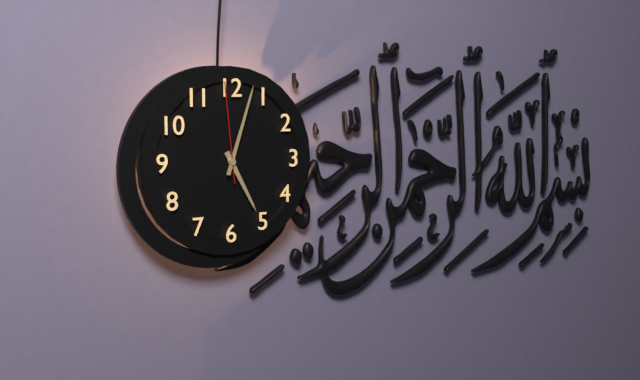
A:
h=5 m=3 s=59
